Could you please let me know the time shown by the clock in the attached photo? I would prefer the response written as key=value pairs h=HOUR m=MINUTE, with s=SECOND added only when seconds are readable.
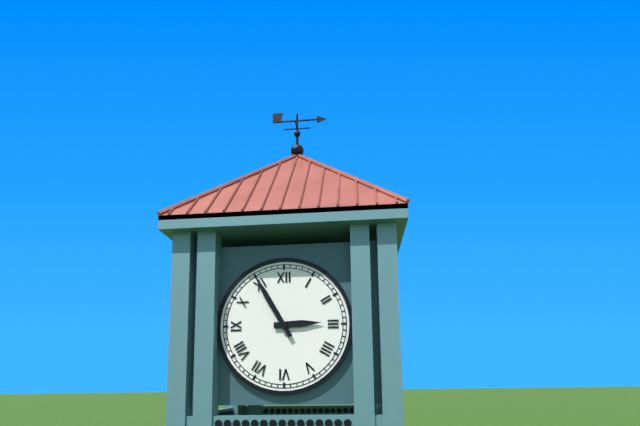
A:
h=2 m=55
